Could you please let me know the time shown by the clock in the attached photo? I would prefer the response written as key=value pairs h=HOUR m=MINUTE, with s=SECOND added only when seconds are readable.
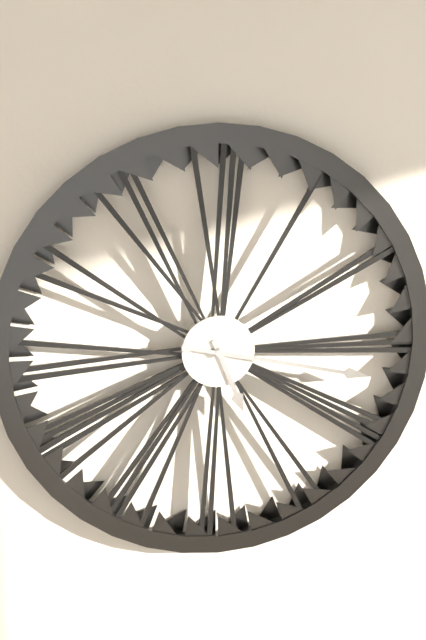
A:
h=5 m=17
